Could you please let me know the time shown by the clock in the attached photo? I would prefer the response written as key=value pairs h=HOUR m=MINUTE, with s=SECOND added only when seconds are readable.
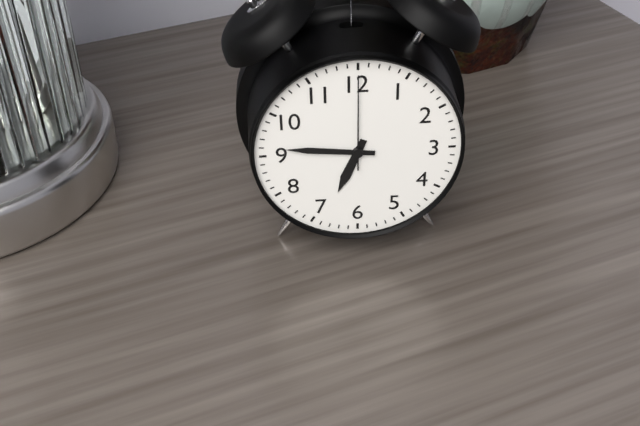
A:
h=6 m=46 s=0
